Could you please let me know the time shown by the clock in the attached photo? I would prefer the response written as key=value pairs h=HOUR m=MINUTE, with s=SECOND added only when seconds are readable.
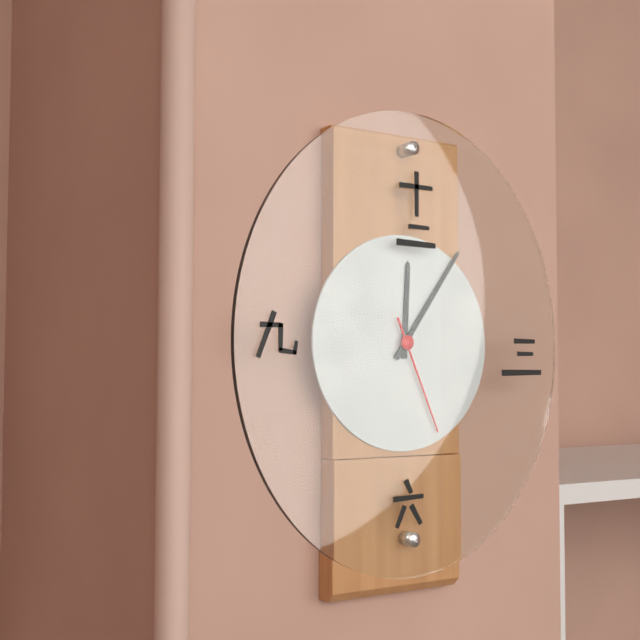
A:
h=12 m=6 s=26
